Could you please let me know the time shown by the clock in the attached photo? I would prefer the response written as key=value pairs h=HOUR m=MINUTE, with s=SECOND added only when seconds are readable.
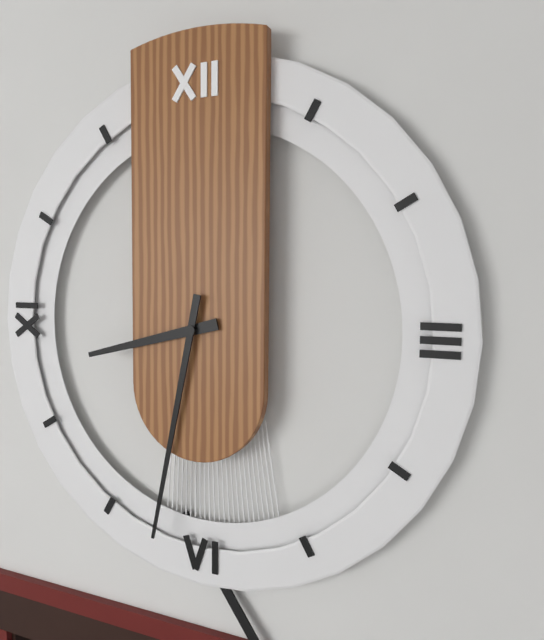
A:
h=8 m=32
